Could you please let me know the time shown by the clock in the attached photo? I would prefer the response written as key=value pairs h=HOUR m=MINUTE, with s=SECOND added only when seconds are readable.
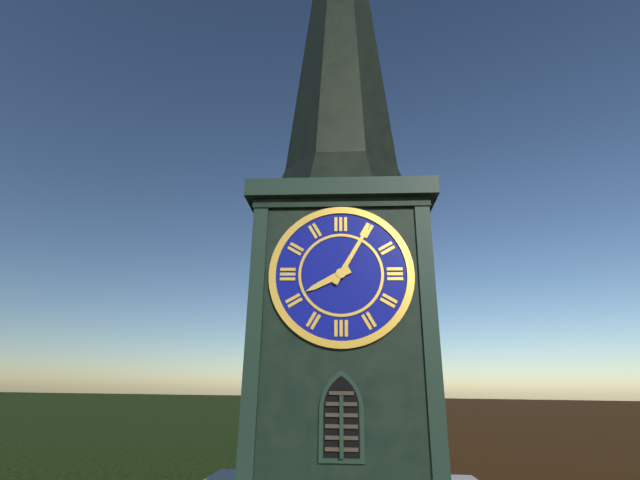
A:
h=8 m=5
